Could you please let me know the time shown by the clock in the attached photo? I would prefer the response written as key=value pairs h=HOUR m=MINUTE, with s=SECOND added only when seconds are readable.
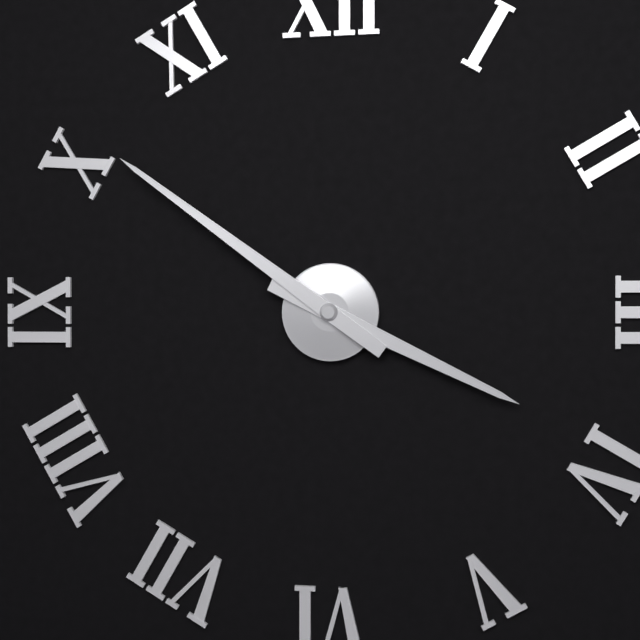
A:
h=3 m=51
